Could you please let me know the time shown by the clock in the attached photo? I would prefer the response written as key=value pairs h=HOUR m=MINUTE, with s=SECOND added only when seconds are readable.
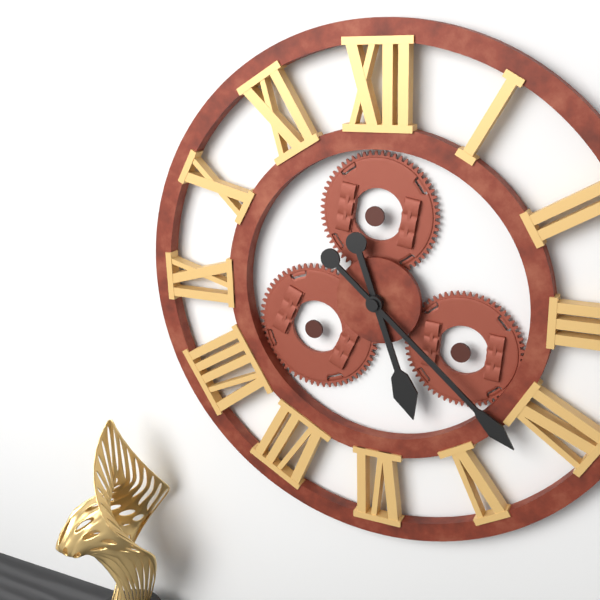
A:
h=5 m=22
